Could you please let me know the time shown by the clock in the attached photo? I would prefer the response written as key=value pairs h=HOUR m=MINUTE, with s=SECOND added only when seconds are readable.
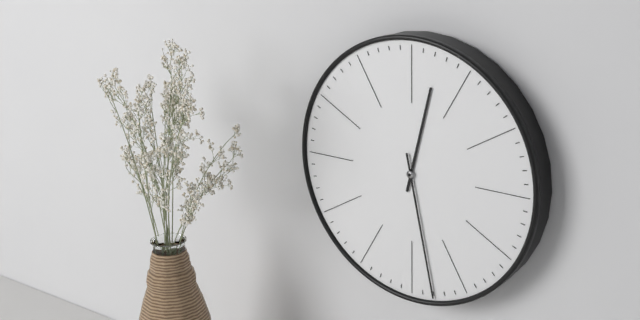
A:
h=12 m=28
